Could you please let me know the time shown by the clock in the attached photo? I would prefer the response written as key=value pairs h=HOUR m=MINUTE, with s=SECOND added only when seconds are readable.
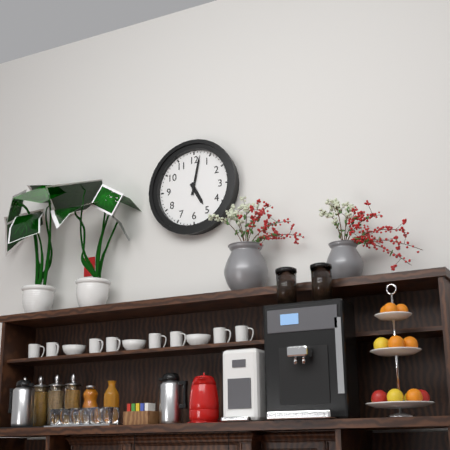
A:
h=5 m=2
